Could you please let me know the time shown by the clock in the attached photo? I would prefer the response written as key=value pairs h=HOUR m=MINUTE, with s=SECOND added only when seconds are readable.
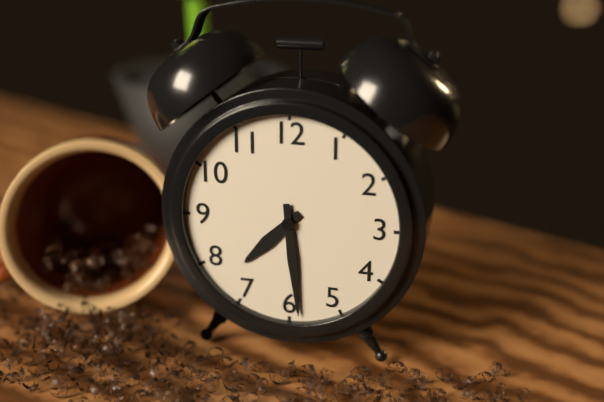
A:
h=7 m=29
